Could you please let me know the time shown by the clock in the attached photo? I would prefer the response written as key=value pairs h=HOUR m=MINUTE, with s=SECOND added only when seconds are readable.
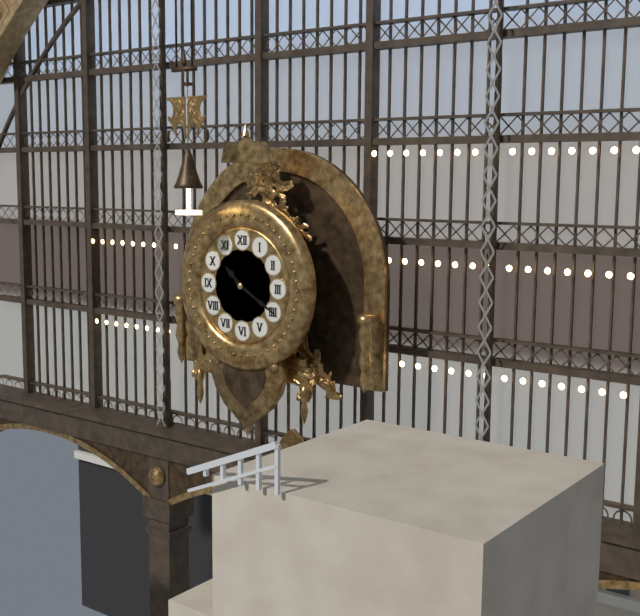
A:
h=10 m=20
